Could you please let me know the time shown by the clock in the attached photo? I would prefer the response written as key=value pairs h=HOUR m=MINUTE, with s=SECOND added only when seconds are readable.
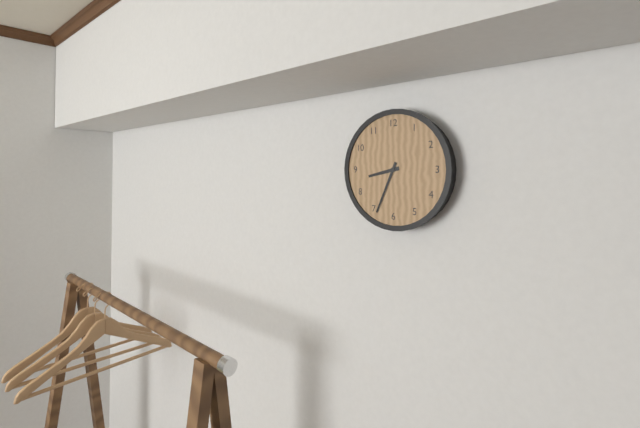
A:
h=8 m=34
